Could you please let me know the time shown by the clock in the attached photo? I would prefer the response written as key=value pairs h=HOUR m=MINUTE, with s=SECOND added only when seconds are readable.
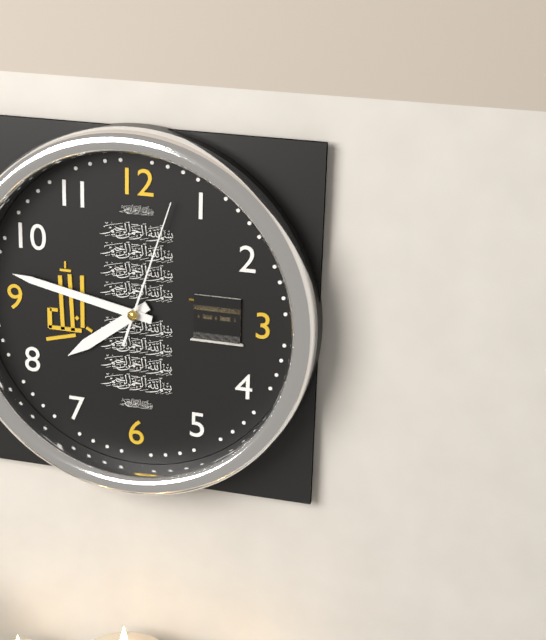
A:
h=7 m=47 s=3
